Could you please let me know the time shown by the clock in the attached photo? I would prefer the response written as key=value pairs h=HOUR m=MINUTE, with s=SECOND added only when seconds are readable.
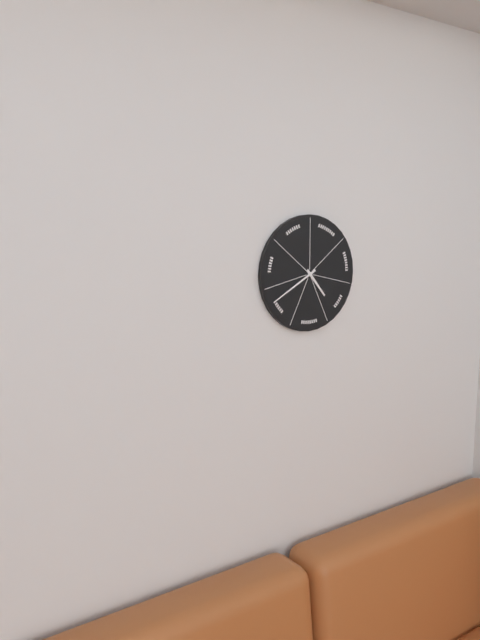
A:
h=4 m=40
